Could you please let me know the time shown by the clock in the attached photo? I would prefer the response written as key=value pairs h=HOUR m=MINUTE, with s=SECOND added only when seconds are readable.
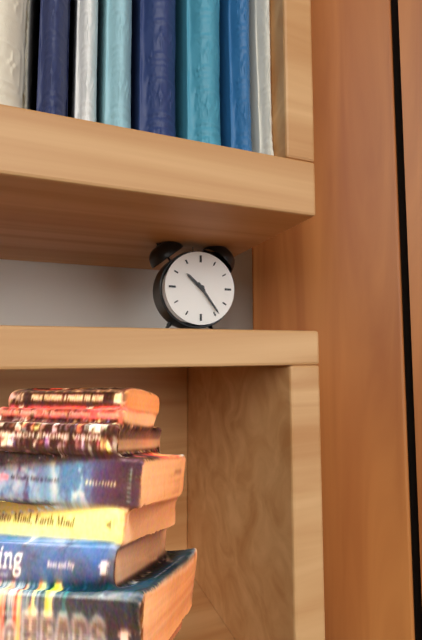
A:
h=10 m=24
